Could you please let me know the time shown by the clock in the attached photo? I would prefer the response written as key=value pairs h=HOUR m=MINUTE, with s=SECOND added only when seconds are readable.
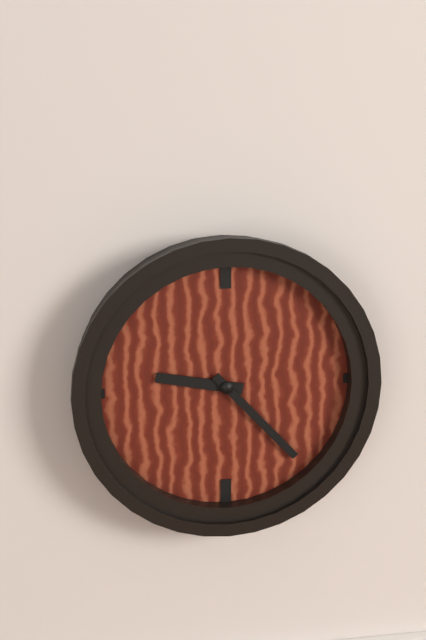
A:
h=9 m=23
